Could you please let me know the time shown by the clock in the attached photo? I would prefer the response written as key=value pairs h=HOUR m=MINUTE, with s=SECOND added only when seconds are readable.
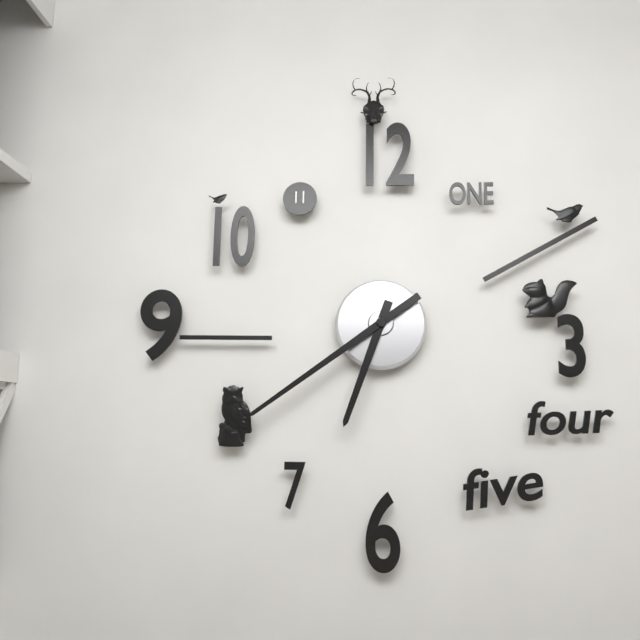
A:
h=6 m=39
